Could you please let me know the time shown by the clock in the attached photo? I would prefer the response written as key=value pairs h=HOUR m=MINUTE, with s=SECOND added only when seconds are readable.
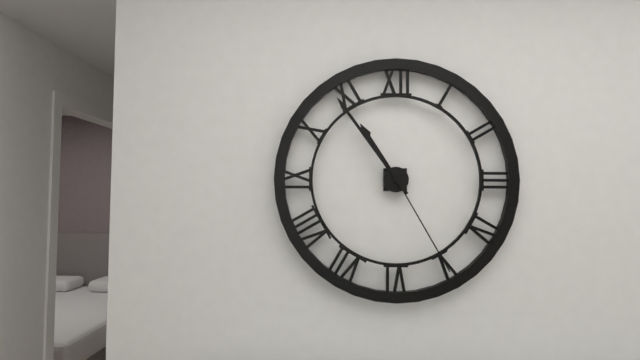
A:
h=10 m=54 s=25
